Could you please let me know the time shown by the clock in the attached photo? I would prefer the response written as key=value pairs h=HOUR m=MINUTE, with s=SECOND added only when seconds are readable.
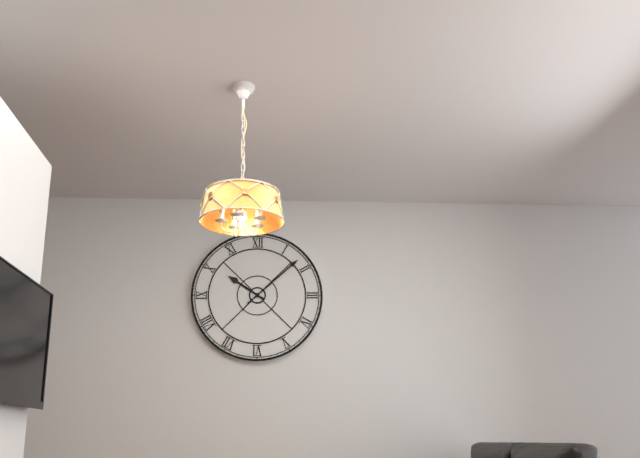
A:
h=10 m=8
